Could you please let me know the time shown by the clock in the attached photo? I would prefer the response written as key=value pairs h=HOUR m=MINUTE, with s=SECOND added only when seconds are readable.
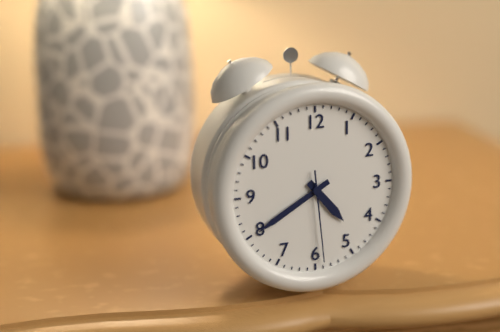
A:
h=4 m=40 s=29
